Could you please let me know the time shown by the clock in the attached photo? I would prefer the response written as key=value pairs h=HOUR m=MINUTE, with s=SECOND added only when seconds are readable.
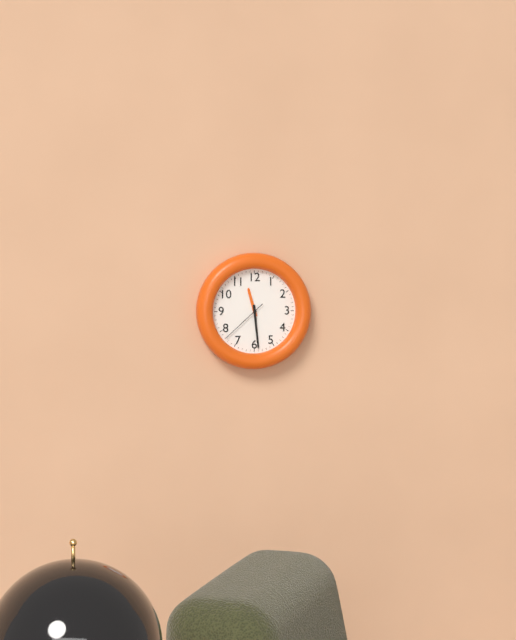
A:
h=11 m=29
